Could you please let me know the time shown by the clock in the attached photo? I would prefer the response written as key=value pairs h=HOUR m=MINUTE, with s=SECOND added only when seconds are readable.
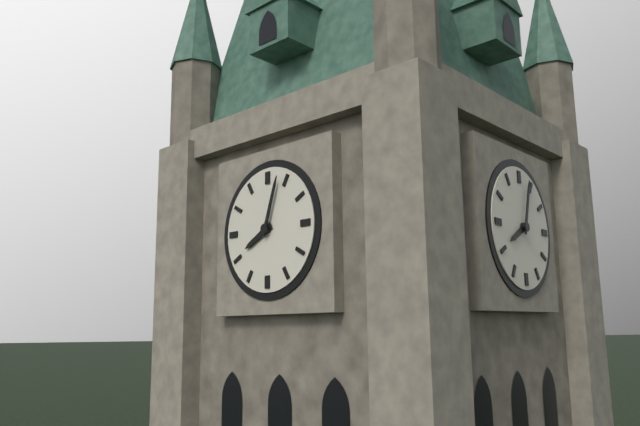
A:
h=8 m=3
